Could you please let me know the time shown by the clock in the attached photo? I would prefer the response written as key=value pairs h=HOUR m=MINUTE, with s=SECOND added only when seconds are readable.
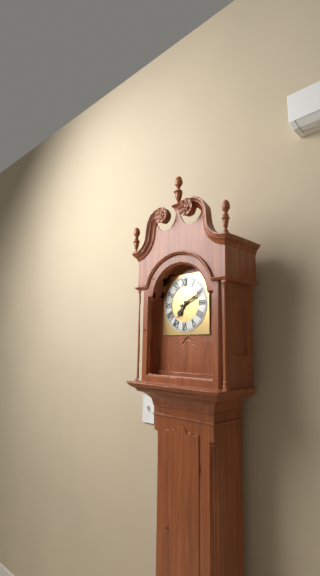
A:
h=7 m=11
